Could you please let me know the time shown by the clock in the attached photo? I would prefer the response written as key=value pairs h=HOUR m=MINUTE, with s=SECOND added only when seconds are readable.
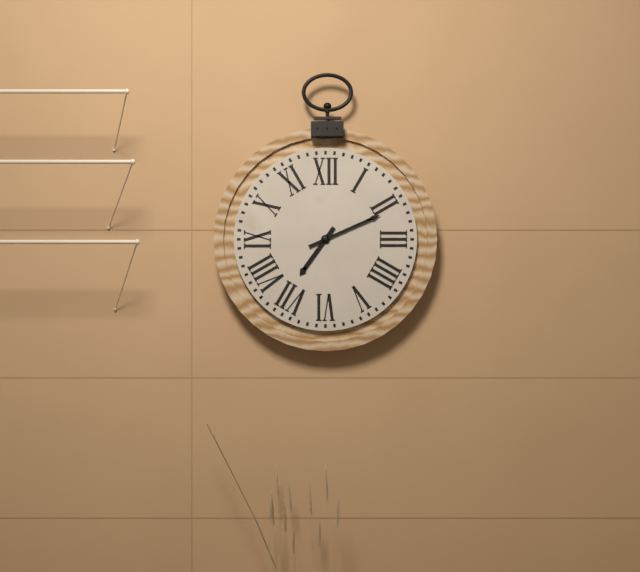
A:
h=7 m=11
